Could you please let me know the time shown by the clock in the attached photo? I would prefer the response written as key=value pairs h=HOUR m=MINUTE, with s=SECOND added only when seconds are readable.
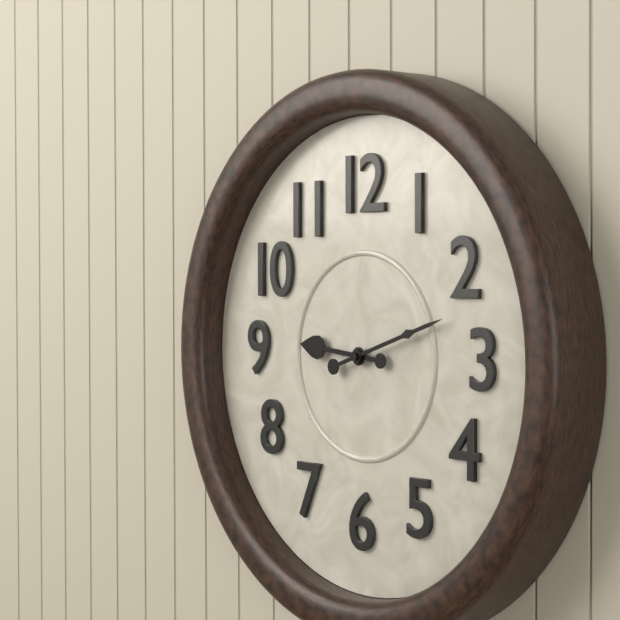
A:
h=9 m=12
